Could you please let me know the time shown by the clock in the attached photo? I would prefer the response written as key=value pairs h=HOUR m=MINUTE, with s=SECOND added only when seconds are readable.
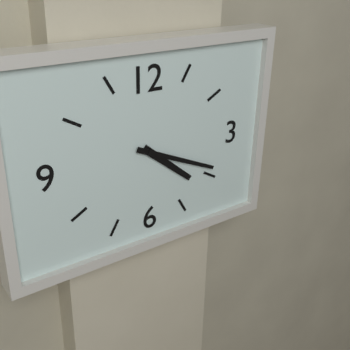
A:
h=4 m=19
